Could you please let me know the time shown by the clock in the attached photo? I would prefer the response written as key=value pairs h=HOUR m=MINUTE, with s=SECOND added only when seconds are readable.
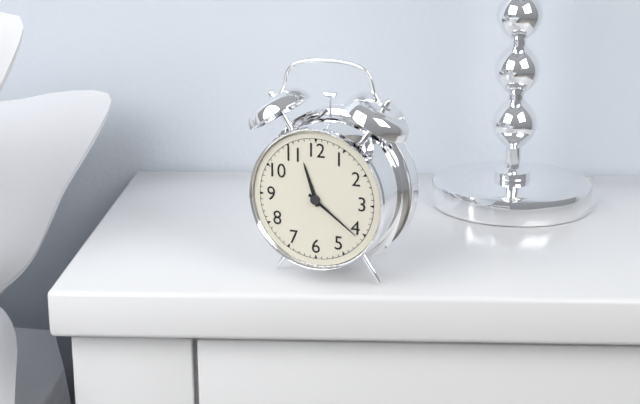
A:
h=11 m=21
